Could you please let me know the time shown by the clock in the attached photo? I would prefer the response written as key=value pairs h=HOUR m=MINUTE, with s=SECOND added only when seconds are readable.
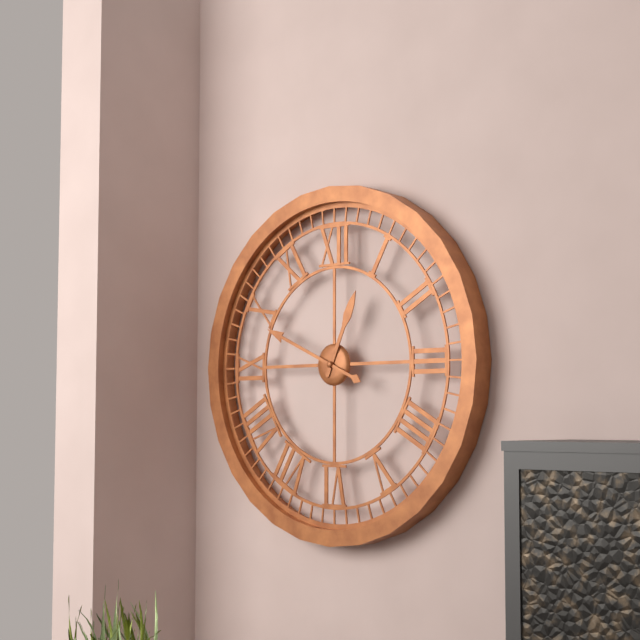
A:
h=12 m=49
